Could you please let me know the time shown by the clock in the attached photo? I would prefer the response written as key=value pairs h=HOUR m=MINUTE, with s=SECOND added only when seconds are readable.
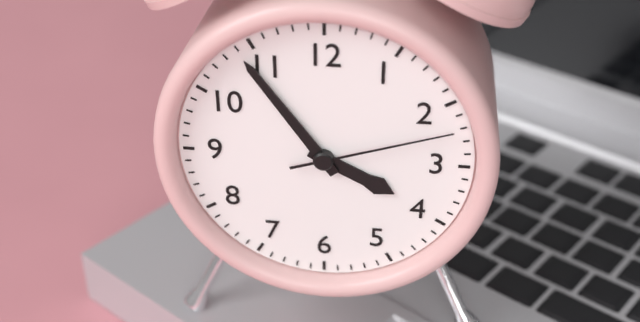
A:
h=3 m=54 s=12
